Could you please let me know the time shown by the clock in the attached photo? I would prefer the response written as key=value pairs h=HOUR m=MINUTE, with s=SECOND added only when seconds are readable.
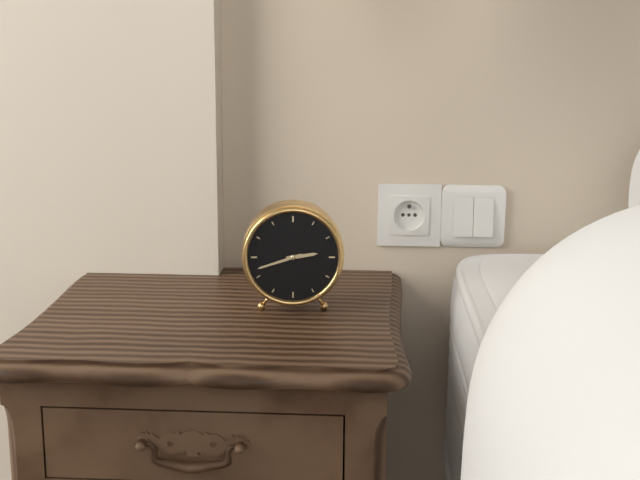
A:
h=2 m=42
